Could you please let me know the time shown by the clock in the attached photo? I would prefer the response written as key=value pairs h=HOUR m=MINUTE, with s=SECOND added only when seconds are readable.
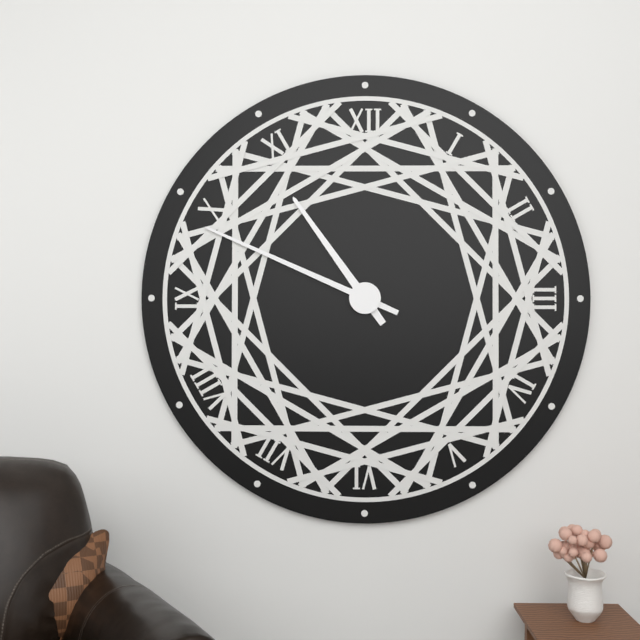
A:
h=10 m=49
